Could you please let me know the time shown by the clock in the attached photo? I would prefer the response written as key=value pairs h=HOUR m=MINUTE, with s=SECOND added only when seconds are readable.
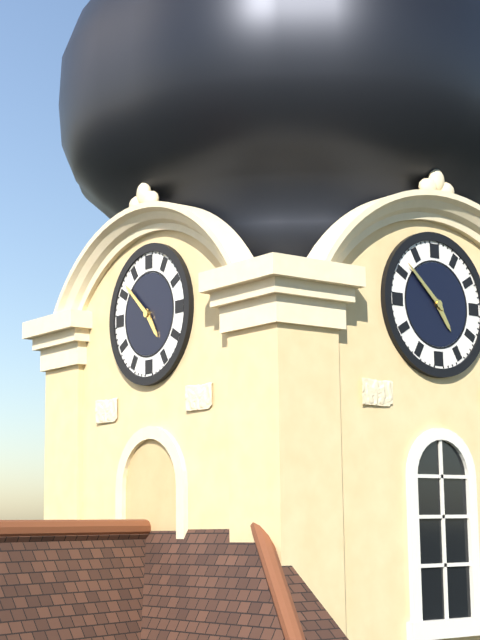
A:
h=4 m=52
